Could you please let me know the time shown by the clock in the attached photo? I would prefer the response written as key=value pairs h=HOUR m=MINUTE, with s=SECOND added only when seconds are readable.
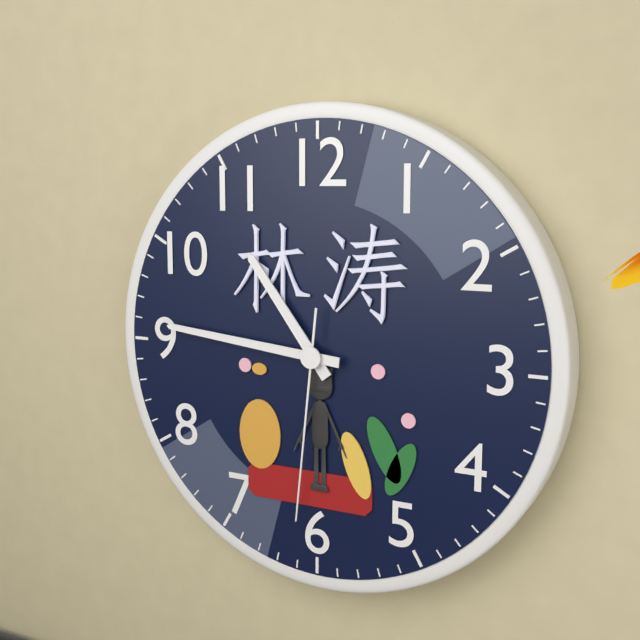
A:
h=10 m=46 s=31
